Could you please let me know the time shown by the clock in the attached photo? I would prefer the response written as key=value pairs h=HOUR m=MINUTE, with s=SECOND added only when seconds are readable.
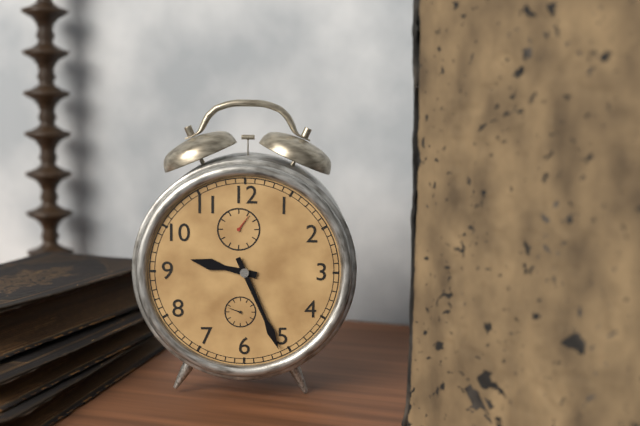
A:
h=9 m=26
